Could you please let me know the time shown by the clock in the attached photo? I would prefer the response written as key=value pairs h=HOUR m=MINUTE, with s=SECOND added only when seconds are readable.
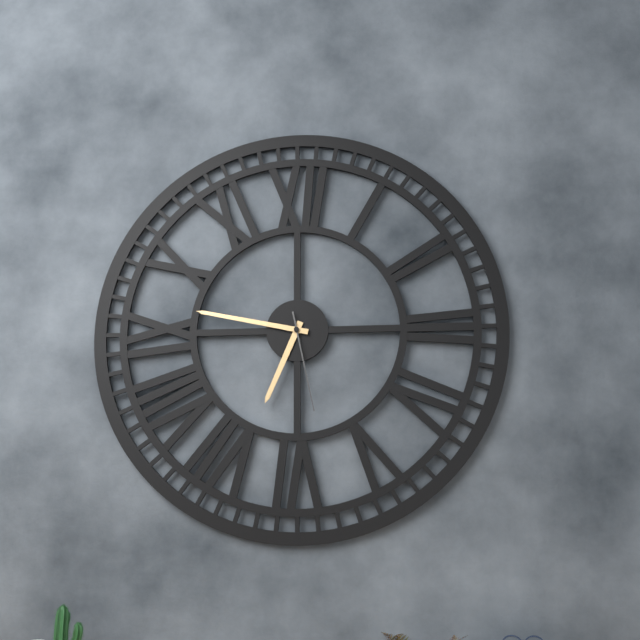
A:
h=6 m=47 s=28
